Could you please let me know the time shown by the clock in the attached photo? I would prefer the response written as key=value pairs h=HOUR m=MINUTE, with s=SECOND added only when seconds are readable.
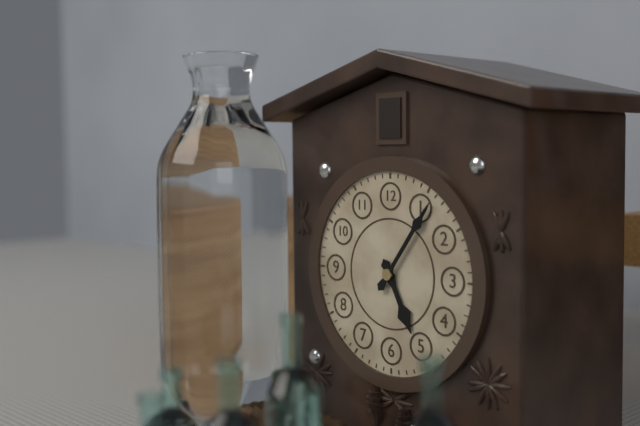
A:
h=5 m=6
